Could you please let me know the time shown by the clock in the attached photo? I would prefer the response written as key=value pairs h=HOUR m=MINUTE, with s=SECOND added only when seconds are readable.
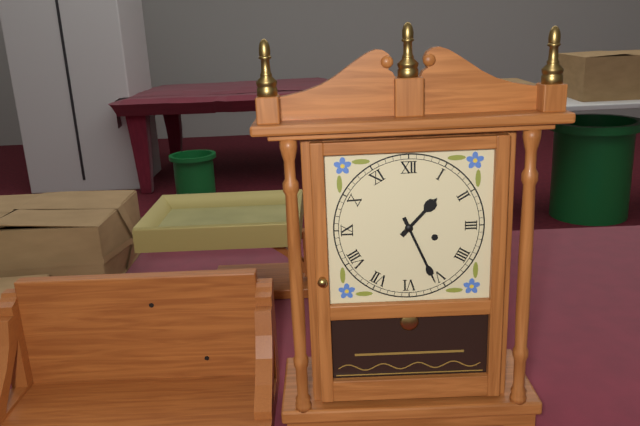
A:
h=1 m=26
